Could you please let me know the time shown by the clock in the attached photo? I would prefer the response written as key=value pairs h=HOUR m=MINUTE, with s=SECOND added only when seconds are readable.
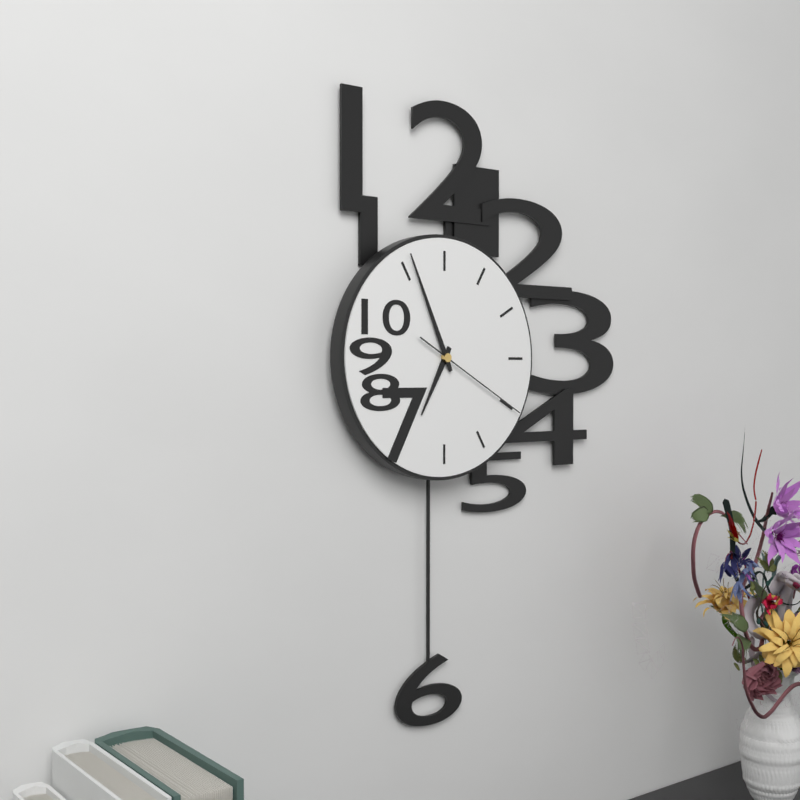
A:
h=6 m=56 s=20
